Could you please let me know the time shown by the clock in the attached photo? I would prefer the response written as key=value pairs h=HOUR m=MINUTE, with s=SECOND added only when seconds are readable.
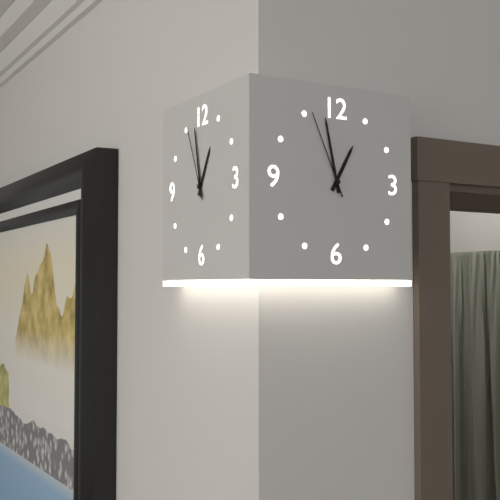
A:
h=12 m=58 s=56
